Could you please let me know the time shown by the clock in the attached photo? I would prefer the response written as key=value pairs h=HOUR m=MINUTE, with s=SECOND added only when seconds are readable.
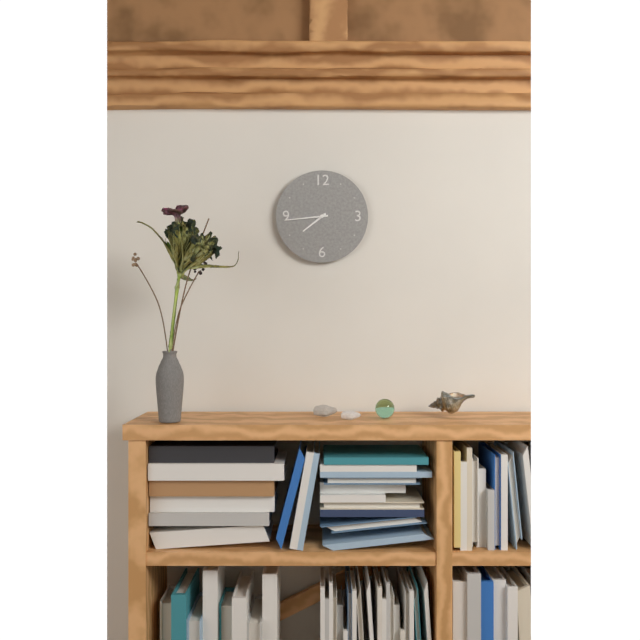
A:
h=7 m=44
